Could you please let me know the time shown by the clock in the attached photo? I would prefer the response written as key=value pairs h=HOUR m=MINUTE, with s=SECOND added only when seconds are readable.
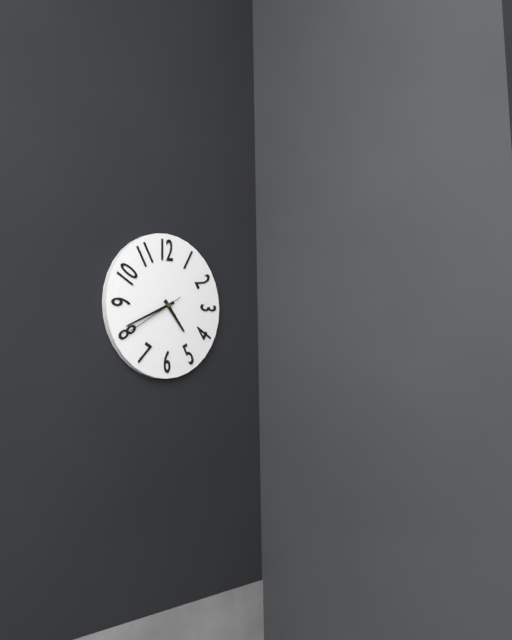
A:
h=4 m=41 s=40
